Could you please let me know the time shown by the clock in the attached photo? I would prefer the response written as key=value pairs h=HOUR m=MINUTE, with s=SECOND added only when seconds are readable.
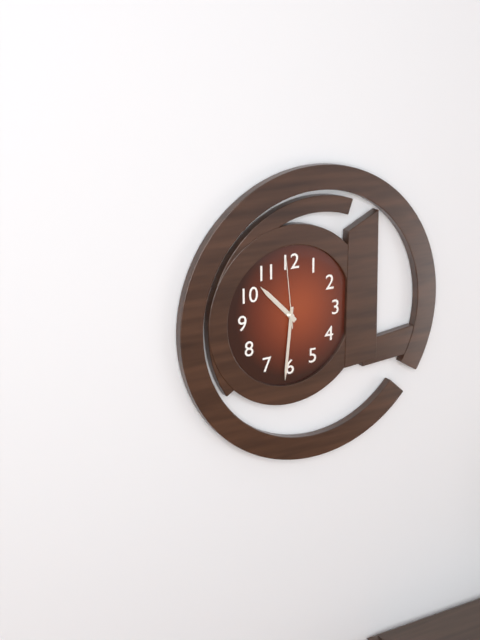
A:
h=10 m=31 s=59
